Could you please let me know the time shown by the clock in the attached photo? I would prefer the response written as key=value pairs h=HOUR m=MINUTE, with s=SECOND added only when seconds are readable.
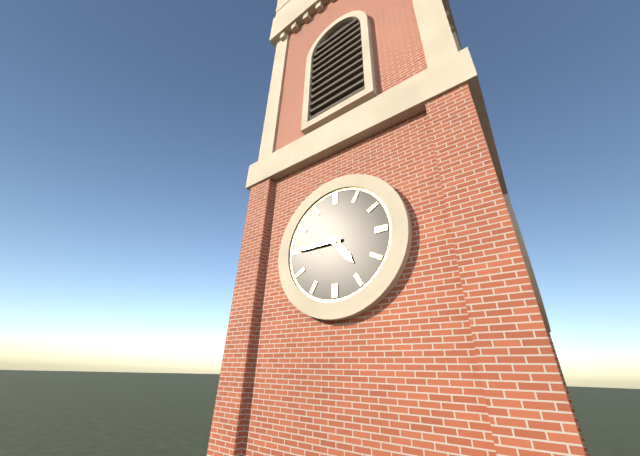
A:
h=4 m=45
